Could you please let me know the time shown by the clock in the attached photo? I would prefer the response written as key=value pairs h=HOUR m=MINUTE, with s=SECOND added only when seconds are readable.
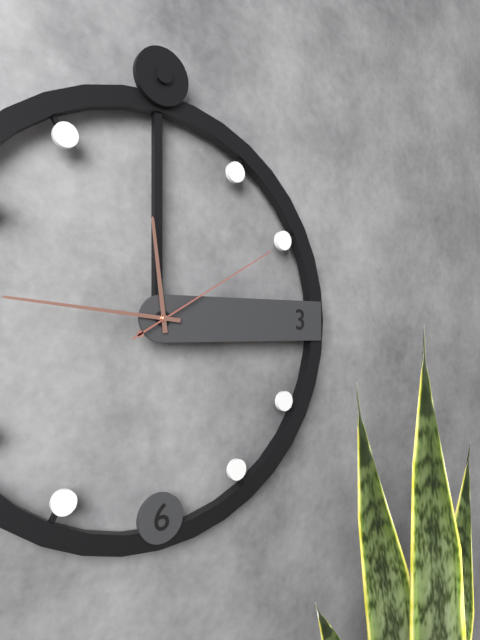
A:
h=11 m=46 s=10
